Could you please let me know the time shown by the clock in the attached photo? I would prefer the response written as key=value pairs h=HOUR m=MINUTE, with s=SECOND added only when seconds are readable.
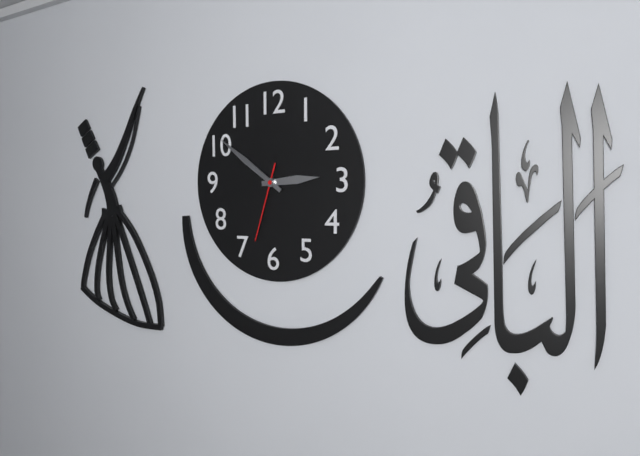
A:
h=2 m=51 s=33
